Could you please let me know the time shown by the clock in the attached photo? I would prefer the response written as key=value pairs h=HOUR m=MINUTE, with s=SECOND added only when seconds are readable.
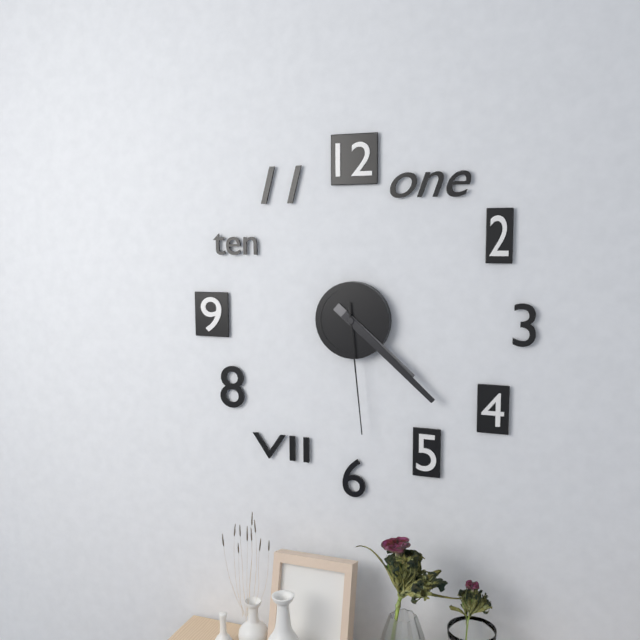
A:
h=4 m=22 s=29
